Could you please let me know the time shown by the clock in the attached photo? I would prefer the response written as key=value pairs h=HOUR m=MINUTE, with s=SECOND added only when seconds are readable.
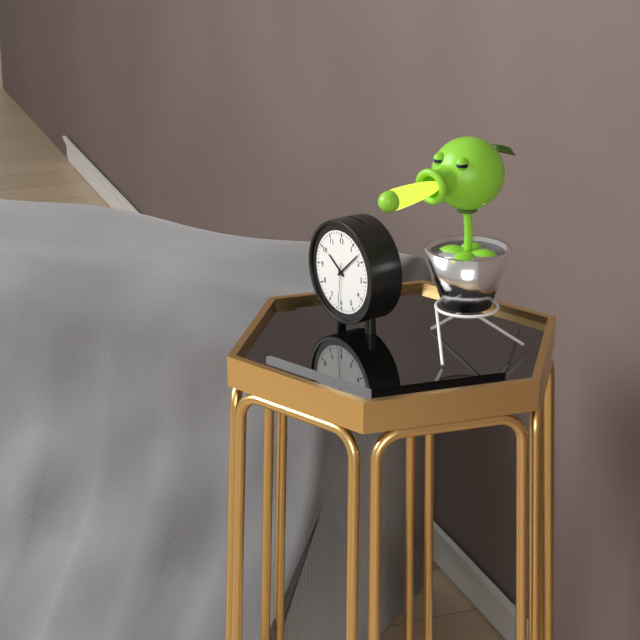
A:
h=10 m=8
